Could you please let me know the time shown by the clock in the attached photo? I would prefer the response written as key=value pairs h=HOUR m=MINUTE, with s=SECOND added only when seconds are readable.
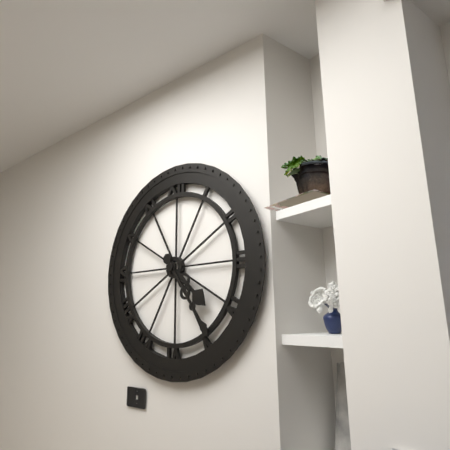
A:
h=4 m=24
